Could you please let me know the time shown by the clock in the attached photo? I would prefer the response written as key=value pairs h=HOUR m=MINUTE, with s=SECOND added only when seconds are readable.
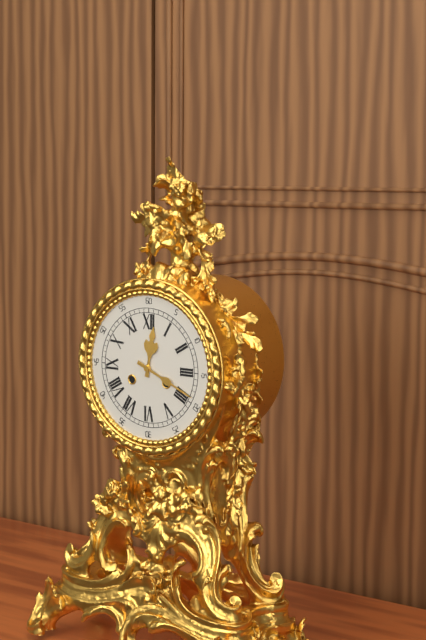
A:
h=12 m=19
